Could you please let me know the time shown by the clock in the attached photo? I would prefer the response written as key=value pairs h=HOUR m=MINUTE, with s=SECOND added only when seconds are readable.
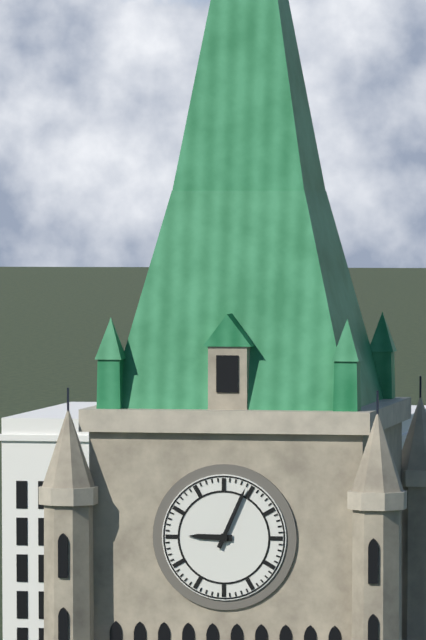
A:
h=9 m=4
